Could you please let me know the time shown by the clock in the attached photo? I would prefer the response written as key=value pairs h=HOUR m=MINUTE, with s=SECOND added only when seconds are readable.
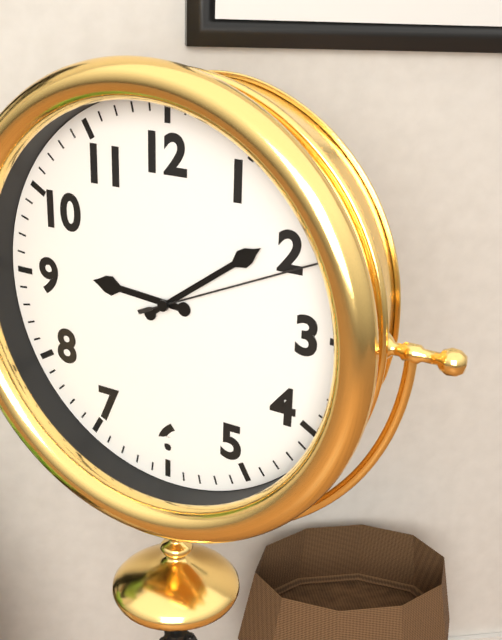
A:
h=9 m=9 s=11
